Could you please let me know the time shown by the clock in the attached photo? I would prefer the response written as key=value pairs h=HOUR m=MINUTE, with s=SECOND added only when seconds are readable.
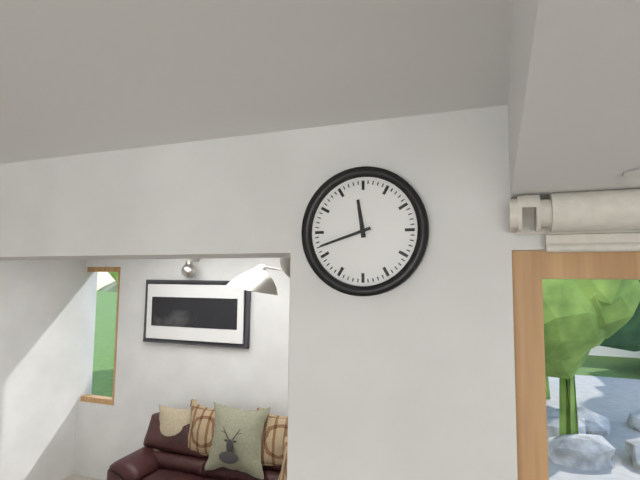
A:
h=11 m=42
